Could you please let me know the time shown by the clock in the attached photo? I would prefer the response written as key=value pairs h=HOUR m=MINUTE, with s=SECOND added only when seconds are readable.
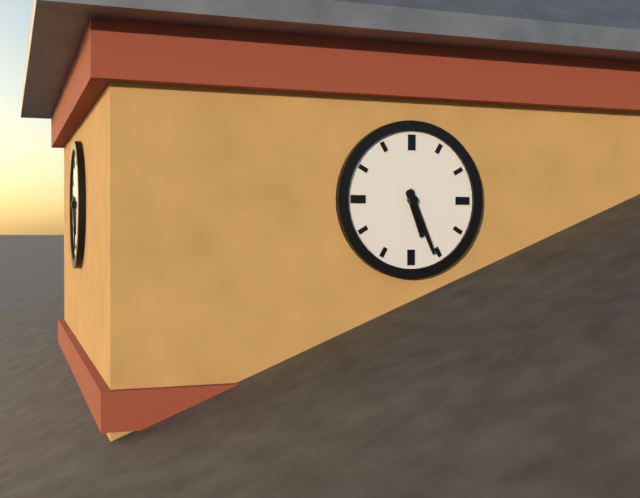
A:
h=5 m=26
